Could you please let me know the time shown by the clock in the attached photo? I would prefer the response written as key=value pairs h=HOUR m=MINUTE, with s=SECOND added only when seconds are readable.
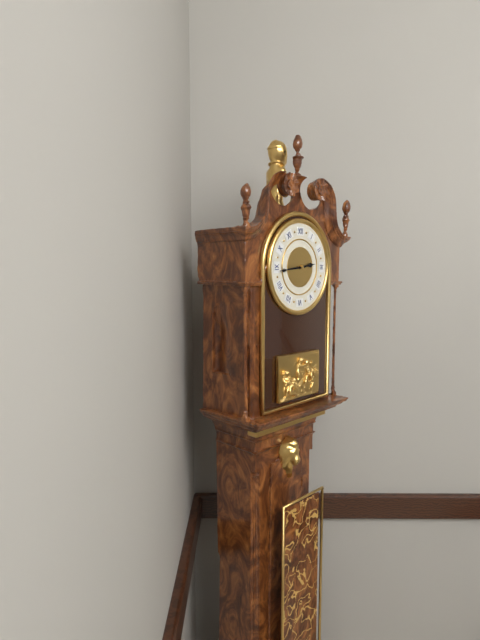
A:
h=2 m=44
